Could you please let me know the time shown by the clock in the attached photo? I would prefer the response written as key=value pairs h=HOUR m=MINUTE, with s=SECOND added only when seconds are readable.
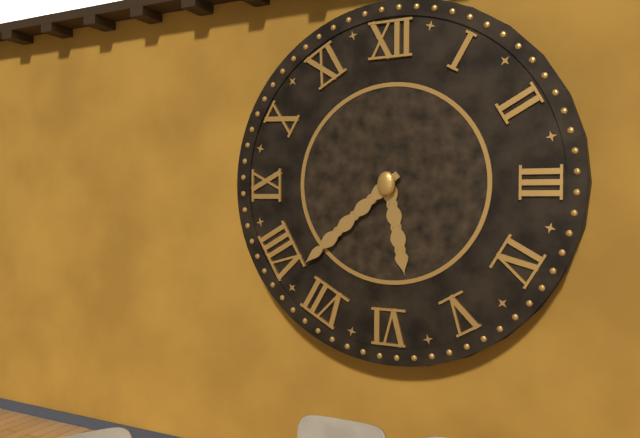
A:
h=5 m=38
